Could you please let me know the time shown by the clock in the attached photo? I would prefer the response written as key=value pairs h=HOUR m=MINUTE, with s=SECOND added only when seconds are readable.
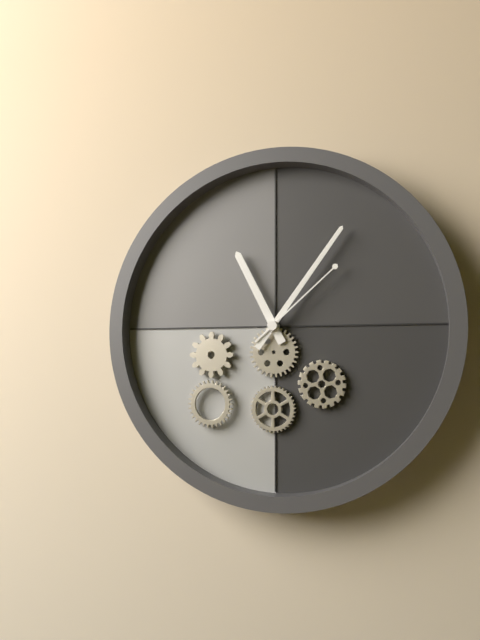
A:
h=11 m=6 s=8
